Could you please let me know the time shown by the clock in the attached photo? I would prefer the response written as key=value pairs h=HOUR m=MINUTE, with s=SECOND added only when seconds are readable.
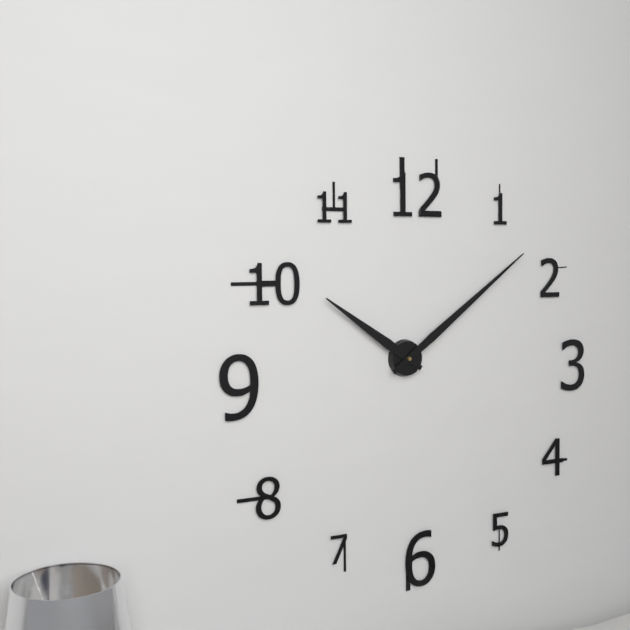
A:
h=10 m=9
